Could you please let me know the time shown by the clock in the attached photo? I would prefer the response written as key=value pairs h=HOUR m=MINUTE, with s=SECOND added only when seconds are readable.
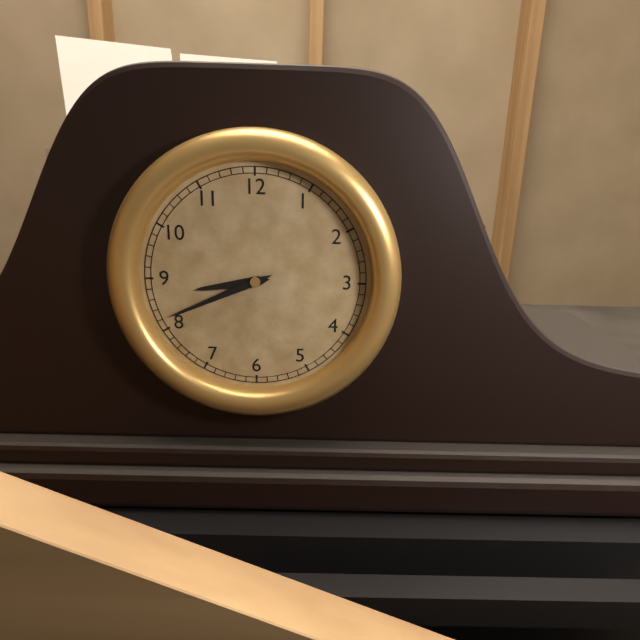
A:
h=8 m=41
